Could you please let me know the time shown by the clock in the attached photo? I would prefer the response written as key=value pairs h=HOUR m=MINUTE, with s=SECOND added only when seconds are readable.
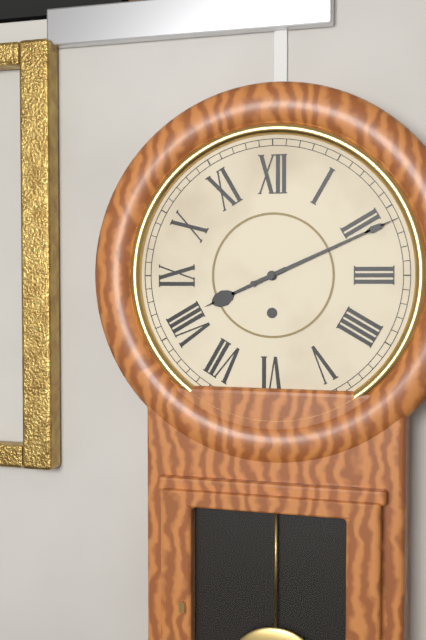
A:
h=8 m=11
